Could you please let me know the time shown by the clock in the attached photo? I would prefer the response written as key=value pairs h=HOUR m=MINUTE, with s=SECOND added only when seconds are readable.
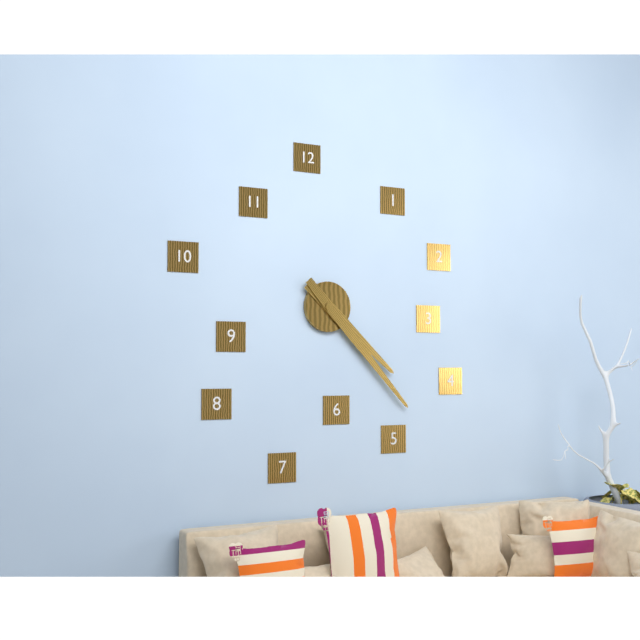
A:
h=4 m=23
